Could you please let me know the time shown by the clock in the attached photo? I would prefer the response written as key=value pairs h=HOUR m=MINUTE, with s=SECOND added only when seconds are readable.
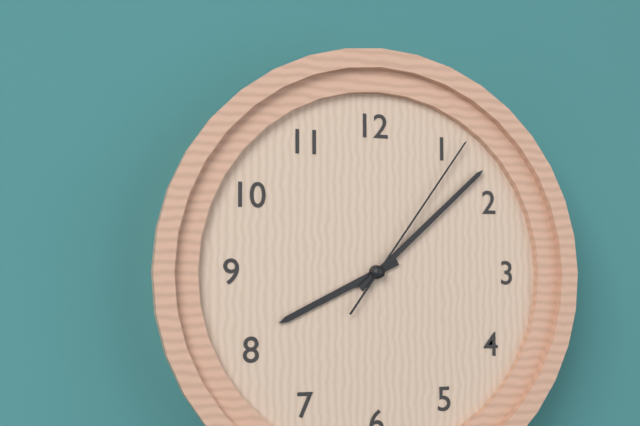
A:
h=8 m=8 s=6
